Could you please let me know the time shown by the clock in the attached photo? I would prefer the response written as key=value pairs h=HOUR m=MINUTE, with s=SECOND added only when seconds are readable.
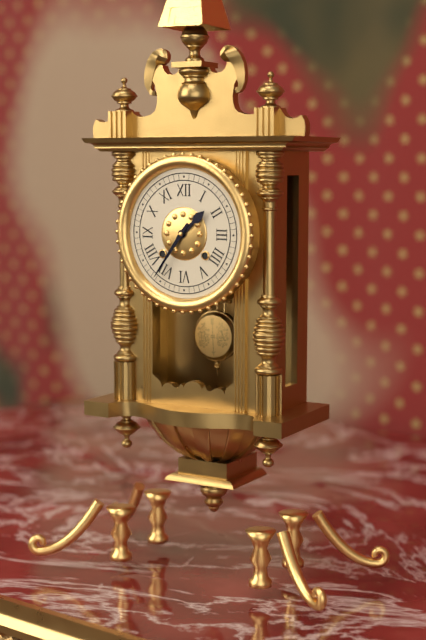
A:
h=1 m=36
